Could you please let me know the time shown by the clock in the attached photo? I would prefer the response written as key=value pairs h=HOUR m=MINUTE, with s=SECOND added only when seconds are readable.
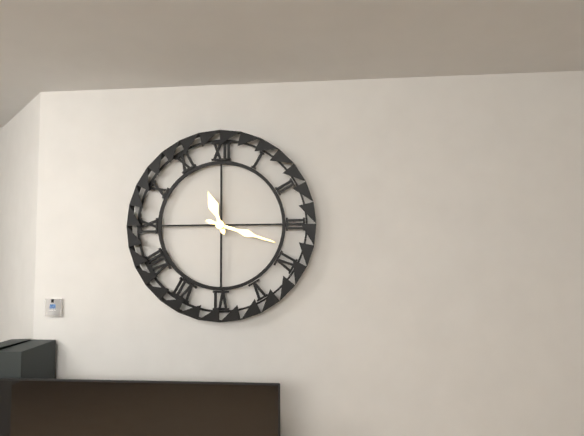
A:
h=11 m=18
